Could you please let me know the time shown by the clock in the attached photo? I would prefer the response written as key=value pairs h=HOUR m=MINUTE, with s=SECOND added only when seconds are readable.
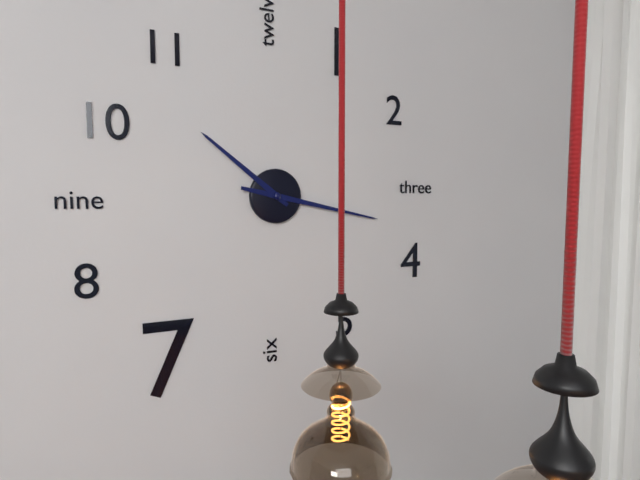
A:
h=10 m=17
